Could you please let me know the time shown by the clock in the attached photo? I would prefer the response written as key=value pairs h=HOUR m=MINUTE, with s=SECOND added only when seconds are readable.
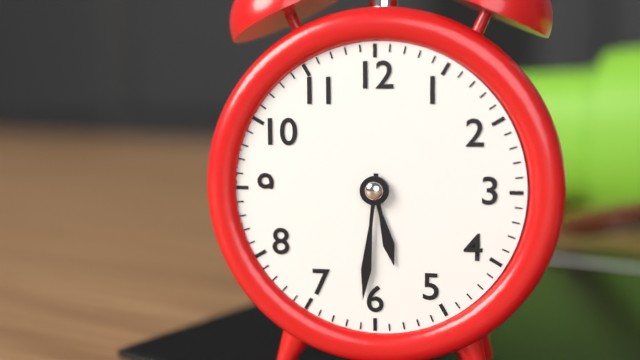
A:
h=5 m=31
